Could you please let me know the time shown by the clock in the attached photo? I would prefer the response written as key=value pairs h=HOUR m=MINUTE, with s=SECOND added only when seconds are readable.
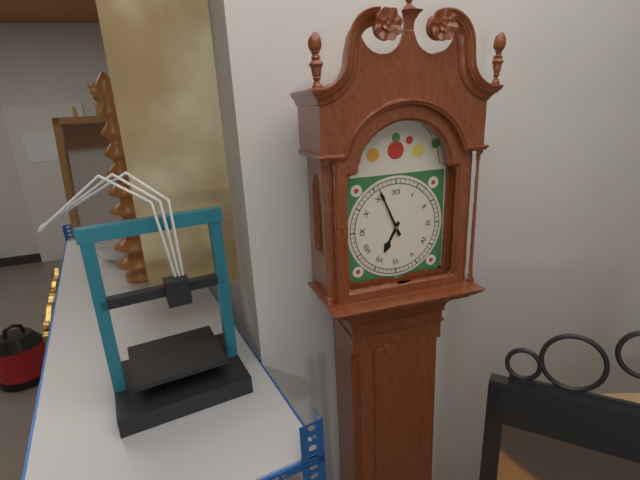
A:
h=6 m=56
